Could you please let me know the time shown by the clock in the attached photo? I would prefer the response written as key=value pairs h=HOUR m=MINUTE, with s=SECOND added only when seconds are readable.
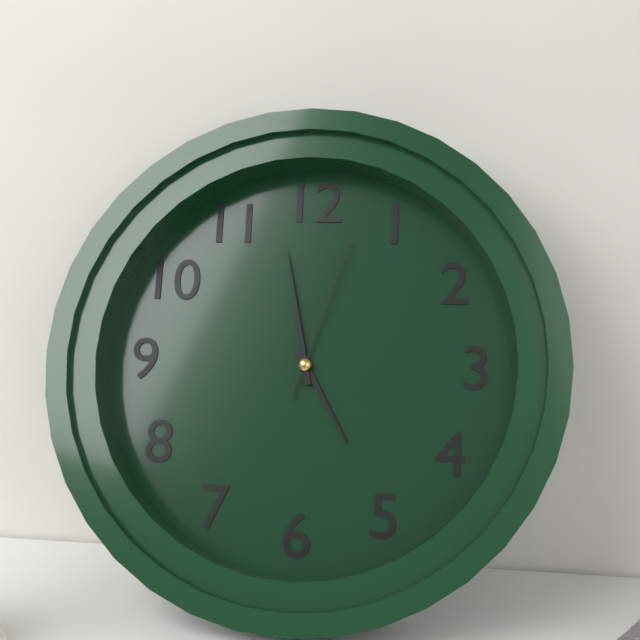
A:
h=4 m=58 s=3
